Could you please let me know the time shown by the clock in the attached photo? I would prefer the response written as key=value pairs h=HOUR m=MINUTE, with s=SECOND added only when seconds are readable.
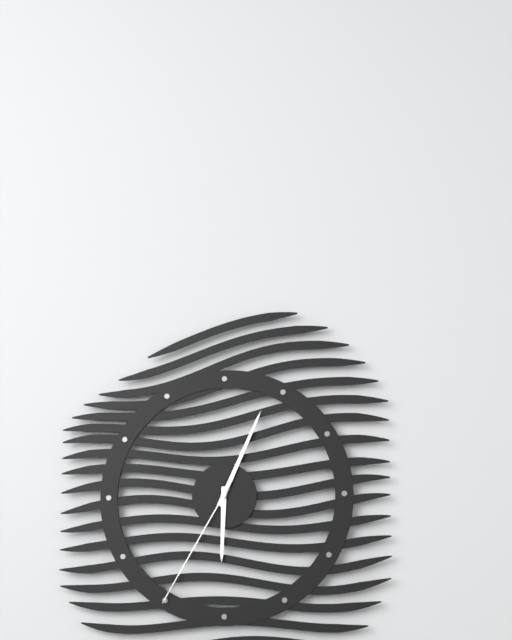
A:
h=6 m=4 s=35
